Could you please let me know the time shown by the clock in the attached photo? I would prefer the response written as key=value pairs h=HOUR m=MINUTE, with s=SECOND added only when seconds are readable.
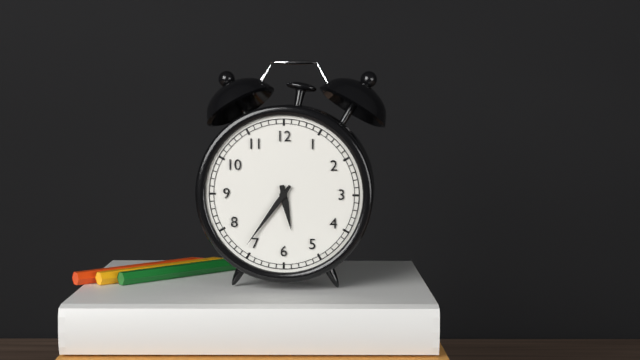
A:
h=5 m=36
